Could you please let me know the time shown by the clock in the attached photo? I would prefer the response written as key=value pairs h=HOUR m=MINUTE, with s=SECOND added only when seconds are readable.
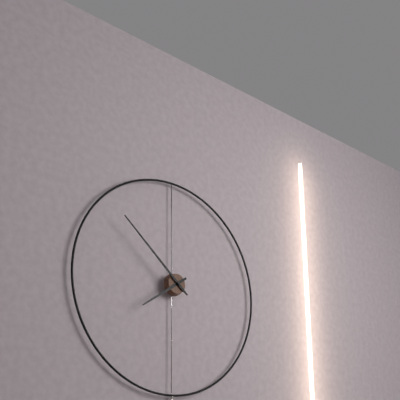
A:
h=7 m=52
